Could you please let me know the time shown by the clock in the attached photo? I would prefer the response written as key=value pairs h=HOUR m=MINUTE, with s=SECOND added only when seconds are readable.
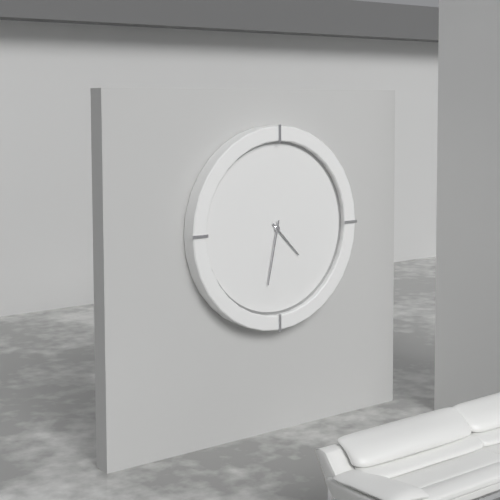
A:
h=4 m=32
